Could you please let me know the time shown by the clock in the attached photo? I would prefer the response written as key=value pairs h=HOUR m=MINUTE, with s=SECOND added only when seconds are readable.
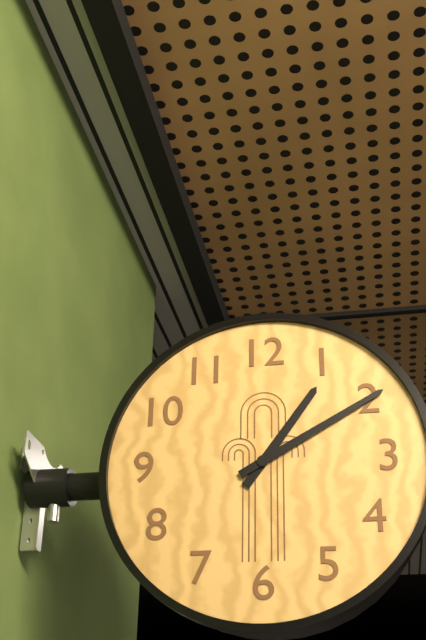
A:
h=1 m=10
